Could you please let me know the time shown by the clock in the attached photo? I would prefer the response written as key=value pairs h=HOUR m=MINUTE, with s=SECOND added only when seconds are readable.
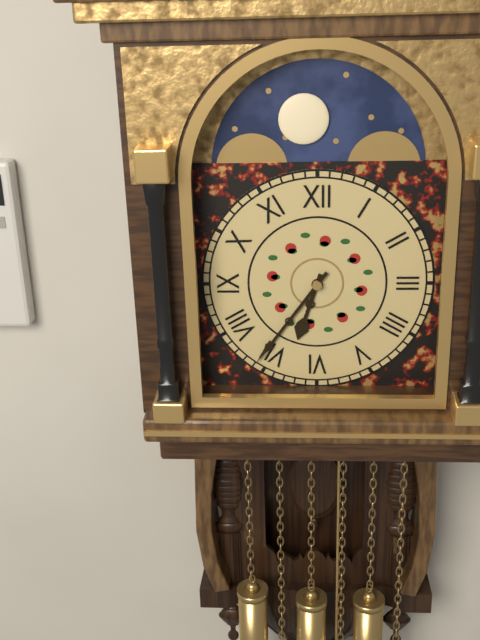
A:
h=6 m=36
